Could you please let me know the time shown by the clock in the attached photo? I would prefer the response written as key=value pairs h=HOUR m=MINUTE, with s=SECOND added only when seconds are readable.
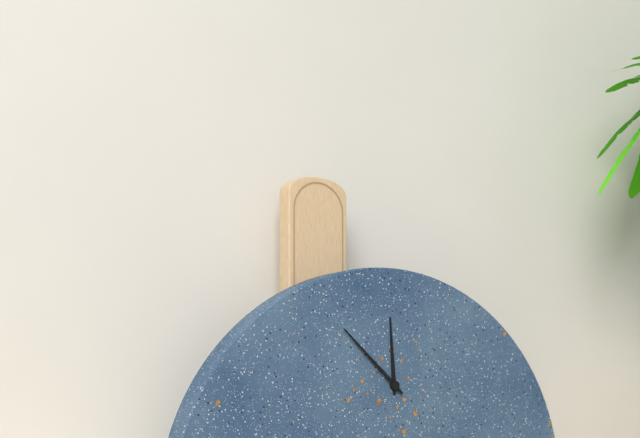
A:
h=11 m=52
